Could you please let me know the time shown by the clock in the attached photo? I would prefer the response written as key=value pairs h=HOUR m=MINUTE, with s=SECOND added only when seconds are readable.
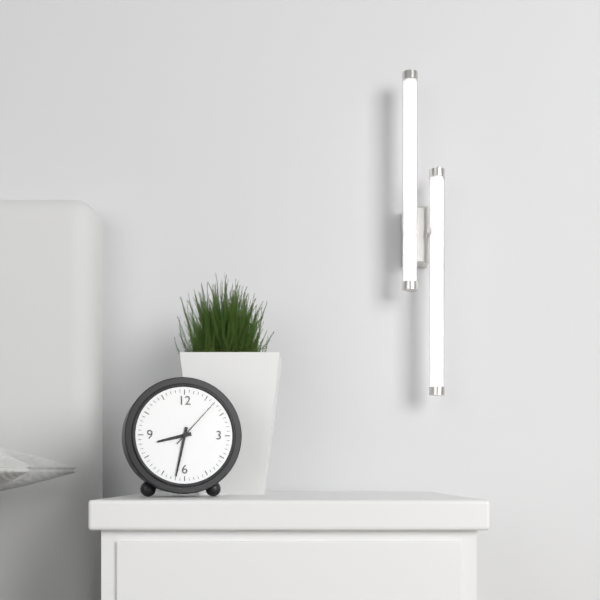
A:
h=8 m=32 s=7
